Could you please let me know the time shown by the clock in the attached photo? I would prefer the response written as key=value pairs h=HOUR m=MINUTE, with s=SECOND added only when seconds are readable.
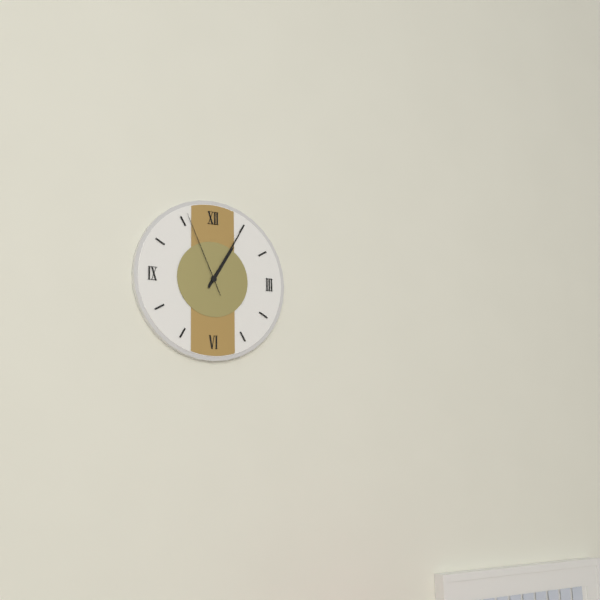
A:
h=1 m=5 s=56
